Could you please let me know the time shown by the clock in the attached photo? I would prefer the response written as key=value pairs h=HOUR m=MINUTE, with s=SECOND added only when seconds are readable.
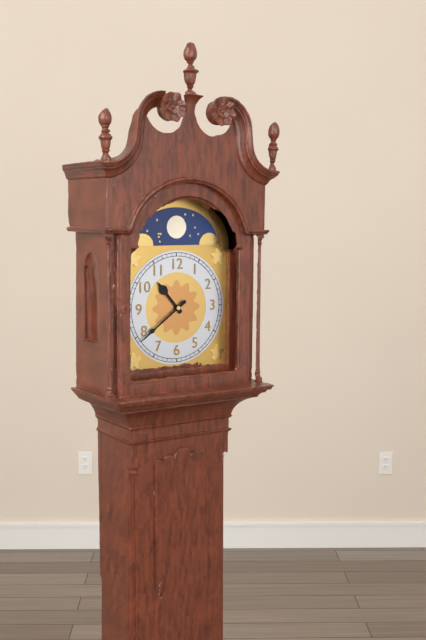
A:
h=10 m=39
